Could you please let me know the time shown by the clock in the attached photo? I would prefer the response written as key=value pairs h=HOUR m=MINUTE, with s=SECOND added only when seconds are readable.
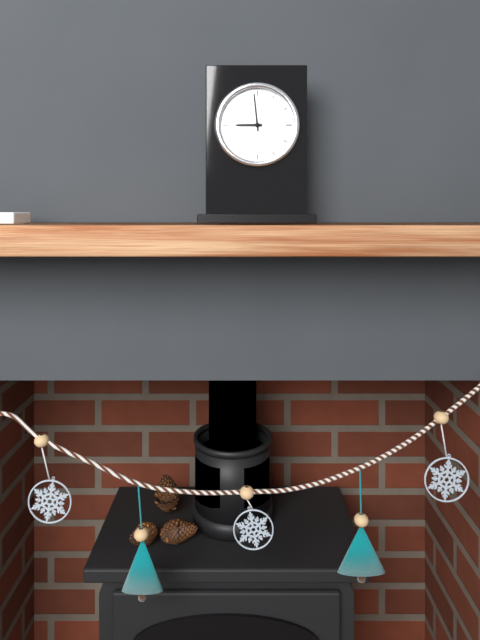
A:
h=8 m=59
